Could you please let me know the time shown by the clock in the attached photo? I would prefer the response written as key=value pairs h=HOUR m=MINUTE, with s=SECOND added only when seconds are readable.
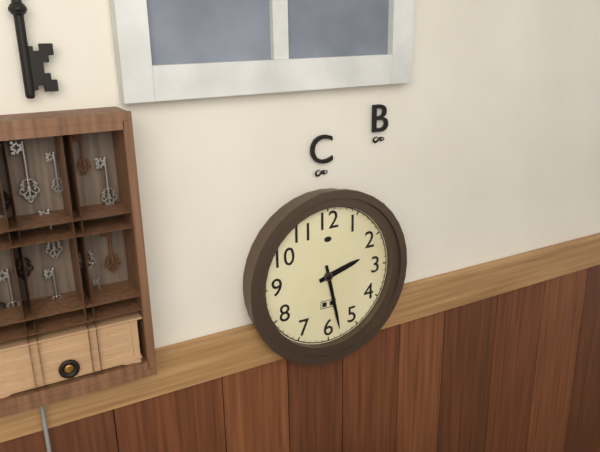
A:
h=2 m=28
